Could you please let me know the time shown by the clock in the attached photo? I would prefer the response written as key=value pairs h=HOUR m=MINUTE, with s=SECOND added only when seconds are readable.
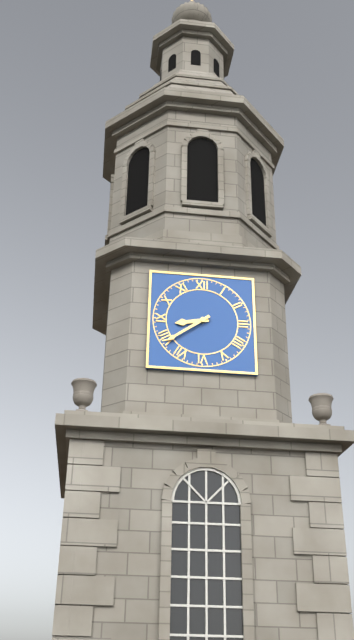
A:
h=8 m=39
